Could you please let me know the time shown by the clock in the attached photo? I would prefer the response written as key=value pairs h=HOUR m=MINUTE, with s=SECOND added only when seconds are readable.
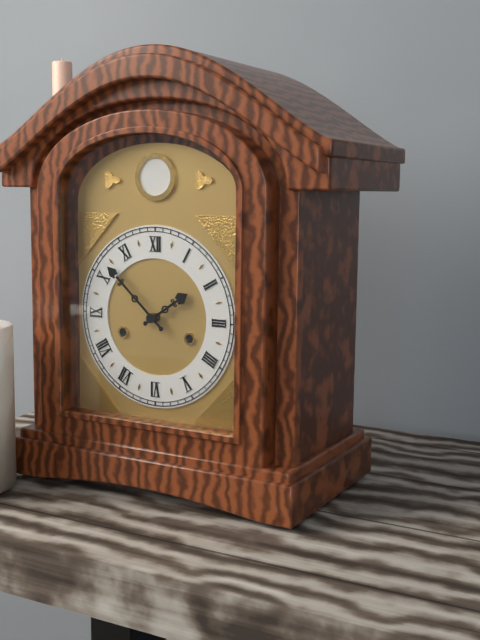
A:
h=1 m=52
